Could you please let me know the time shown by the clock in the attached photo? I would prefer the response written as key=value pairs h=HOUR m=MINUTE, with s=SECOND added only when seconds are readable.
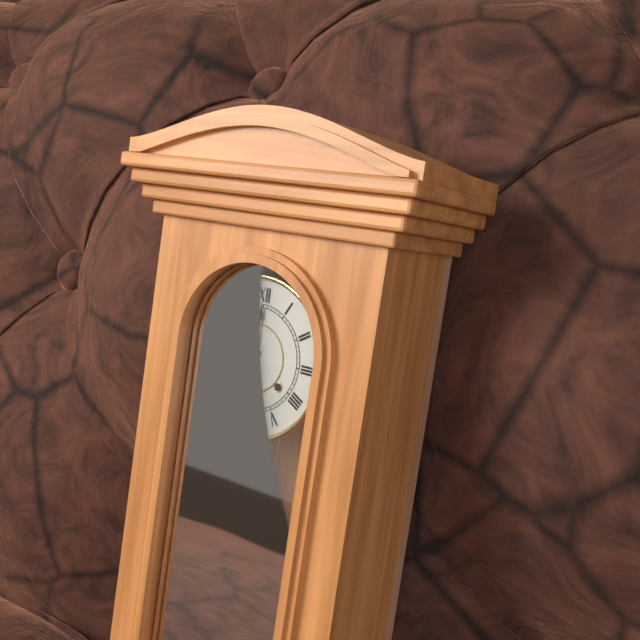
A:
h=7 m=0
